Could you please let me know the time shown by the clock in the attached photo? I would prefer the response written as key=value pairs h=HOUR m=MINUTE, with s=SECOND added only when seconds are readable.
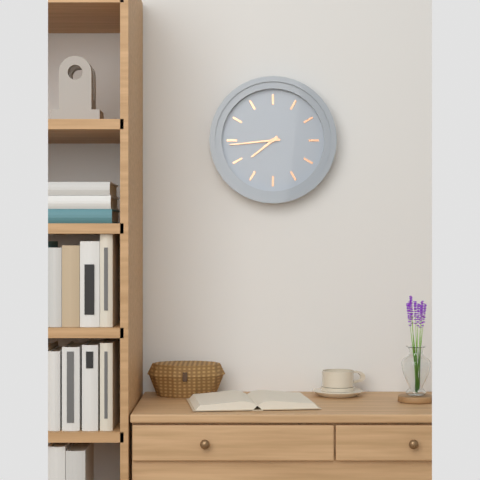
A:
h=7 m=44
